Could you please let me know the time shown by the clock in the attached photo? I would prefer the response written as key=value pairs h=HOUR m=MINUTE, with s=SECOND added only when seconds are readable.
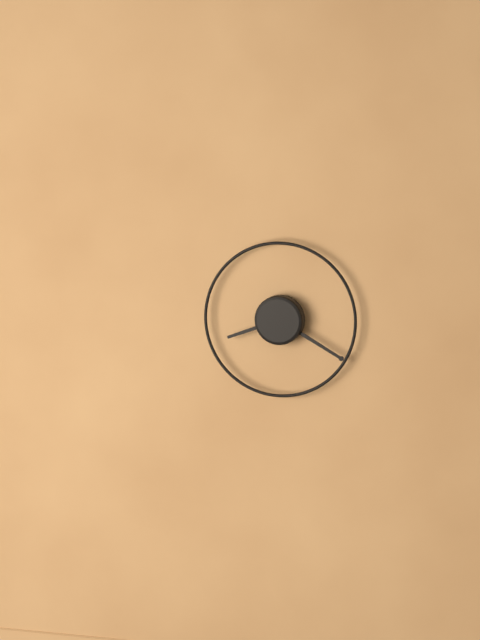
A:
h=8 m=20
